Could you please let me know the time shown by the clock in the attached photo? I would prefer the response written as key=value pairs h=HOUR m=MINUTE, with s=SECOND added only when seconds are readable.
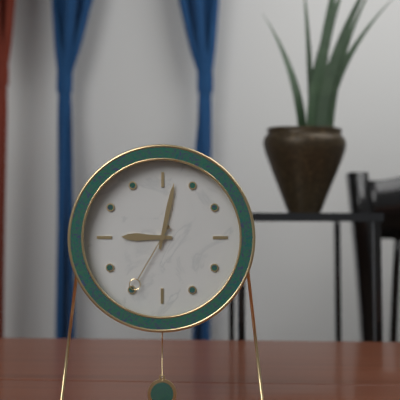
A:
h=9 m=2 s=35
